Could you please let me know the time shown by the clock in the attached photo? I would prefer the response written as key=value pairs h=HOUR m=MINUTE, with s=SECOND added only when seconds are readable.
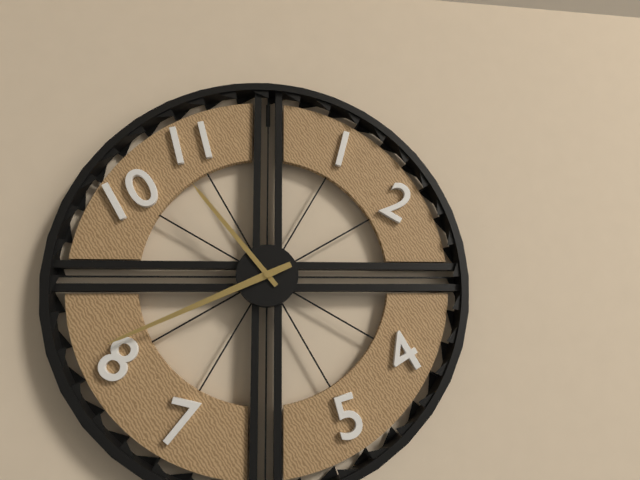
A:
h=10 m=41
